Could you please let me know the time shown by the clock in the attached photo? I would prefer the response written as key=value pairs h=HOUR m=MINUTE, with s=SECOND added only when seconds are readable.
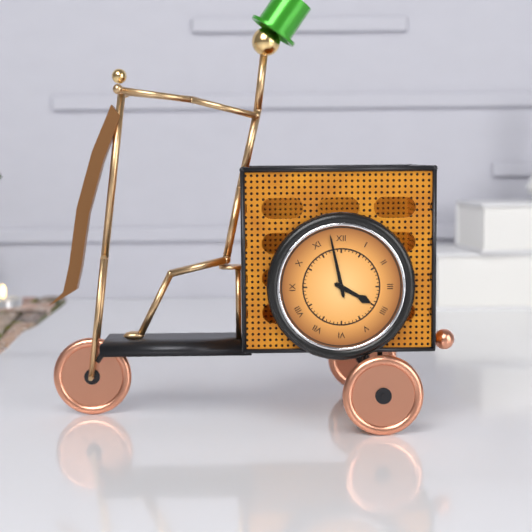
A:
h=3 m=58
